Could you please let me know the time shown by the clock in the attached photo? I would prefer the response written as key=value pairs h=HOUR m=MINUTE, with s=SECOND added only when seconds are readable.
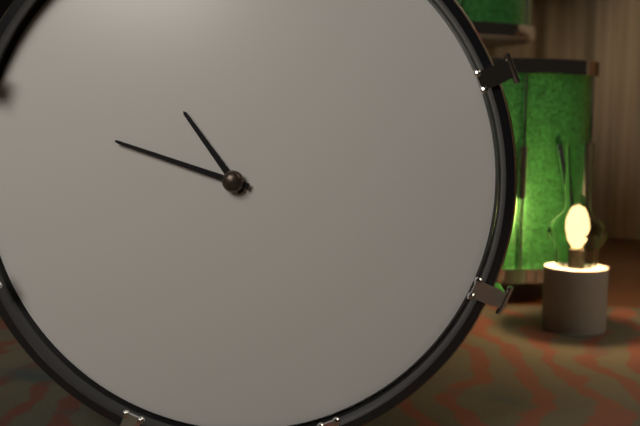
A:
h=10 m=48
